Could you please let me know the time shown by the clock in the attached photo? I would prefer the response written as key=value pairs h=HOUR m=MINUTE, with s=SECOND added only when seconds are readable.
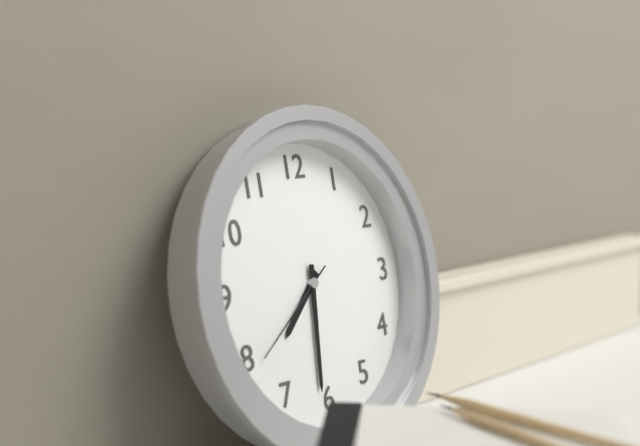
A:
h=7 m=31 s=39
